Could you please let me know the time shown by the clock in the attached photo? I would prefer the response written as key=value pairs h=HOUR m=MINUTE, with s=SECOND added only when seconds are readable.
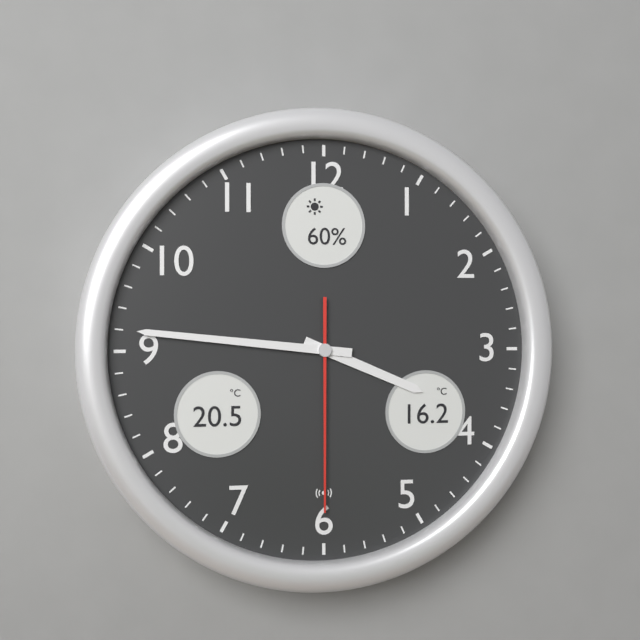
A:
h=3 m=46 s=30
